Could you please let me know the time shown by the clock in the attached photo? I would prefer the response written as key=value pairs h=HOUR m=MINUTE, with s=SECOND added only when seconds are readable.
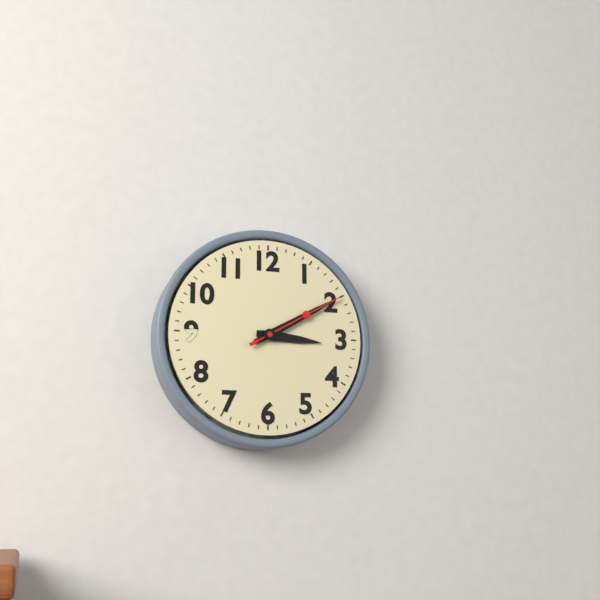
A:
h=3 m=10 s=10
